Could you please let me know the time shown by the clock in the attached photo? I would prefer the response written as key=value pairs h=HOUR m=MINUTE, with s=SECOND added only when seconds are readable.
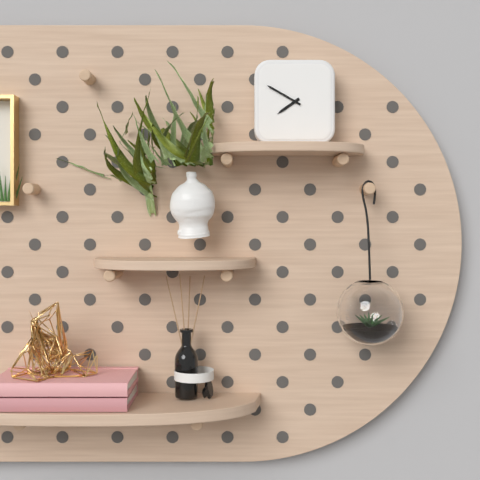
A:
h=7 m=50
